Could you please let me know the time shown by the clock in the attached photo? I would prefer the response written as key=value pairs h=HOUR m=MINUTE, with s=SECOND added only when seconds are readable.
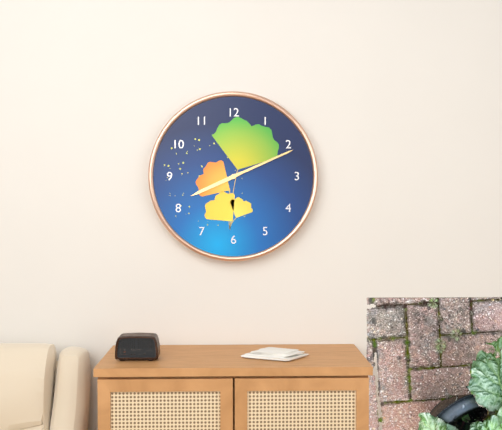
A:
h=8 m=11
